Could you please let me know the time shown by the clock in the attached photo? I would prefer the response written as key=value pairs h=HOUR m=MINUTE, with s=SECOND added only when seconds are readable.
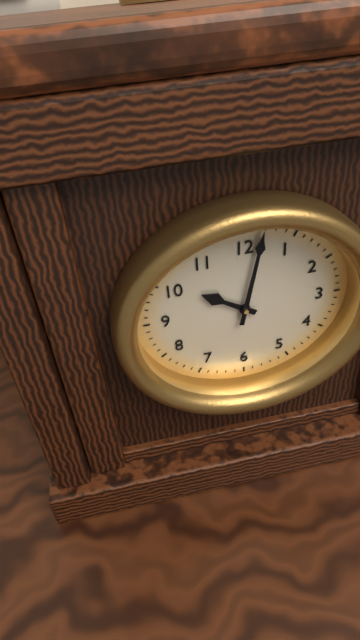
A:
h=10 m=2
